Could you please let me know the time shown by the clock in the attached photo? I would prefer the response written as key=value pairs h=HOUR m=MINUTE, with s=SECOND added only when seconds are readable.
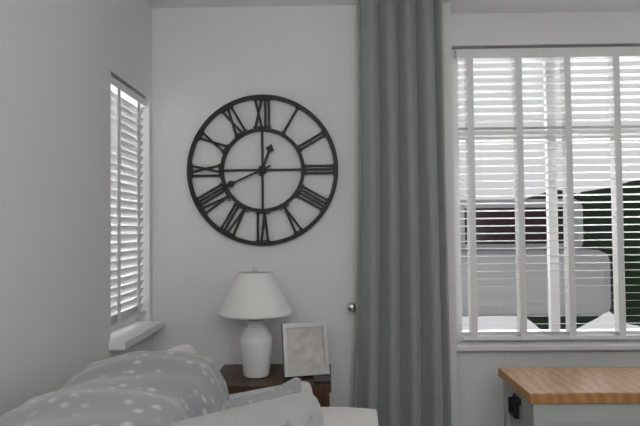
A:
h=12 m=41
